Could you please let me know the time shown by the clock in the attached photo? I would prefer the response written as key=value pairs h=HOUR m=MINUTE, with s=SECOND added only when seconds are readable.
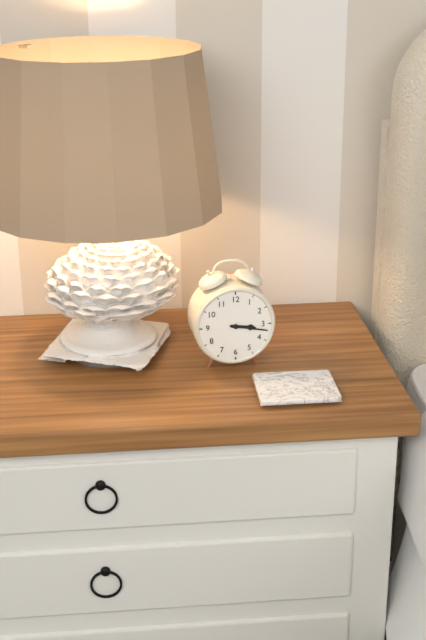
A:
h=3 m=17
